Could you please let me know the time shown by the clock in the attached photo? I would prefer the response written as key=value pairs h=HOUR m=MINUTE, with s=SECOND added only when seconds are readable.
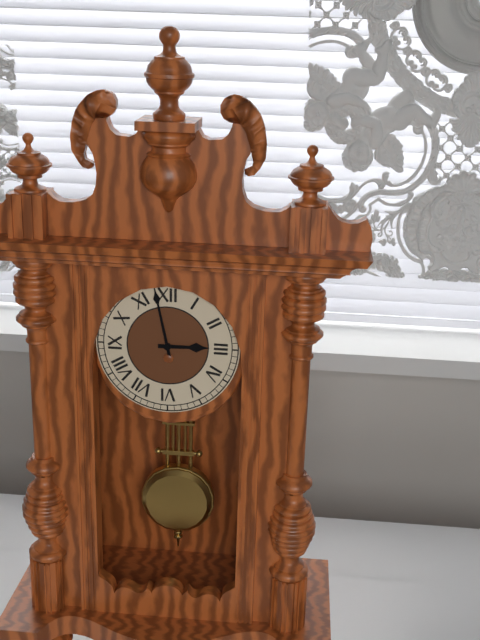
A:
h=2 m=58
